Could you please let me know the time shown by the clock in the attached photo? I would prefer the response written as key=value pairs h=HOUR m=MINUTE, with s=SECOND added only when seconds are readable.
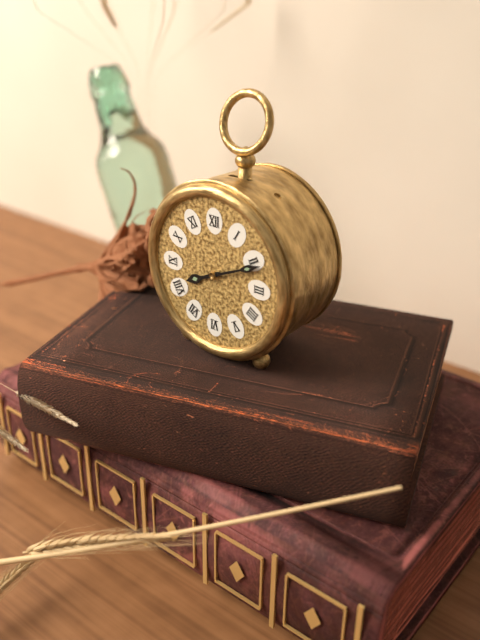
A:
h=8 m=11
